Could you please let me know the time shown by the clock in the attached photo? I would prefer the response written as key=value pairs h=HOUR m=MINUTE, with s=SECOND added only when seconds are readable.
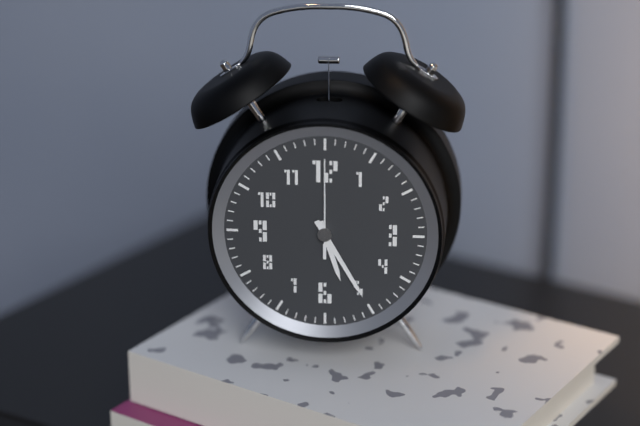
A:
h=5 m=25 s=0
